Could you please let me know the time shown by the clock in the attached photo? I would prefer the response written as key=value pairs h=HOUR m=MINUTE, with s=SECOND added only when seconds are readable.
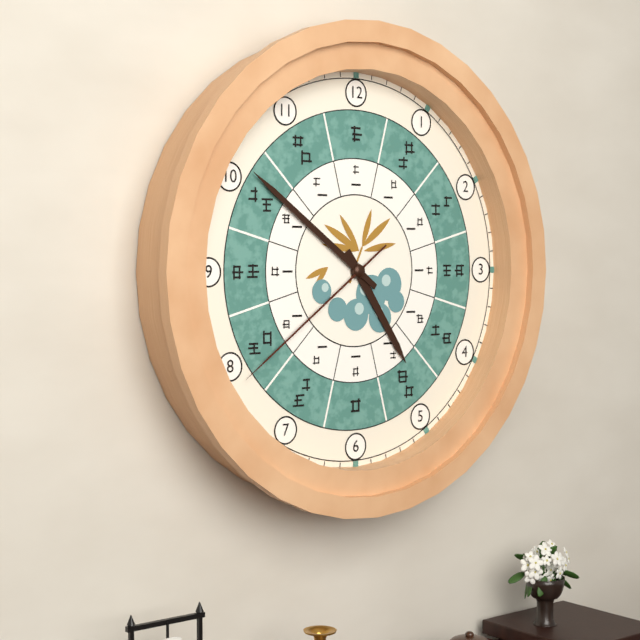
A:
h=4 m=51 s=39
